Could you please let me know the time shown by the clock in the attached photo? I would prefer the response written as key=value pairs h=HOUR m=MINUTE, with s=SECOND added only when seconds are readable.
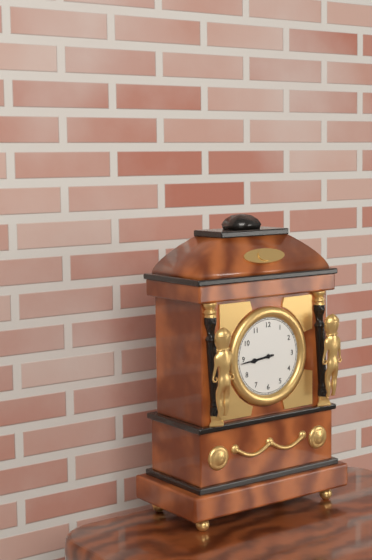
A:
h=8 m=44
